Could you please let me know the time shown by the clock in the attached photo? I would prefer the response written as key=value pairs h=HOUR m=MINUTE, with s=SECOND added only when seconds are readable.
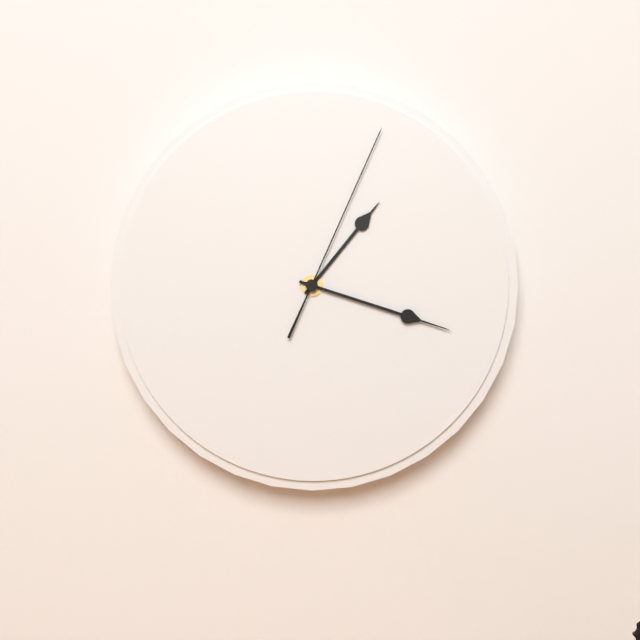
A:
h=1 m=18 s=4
